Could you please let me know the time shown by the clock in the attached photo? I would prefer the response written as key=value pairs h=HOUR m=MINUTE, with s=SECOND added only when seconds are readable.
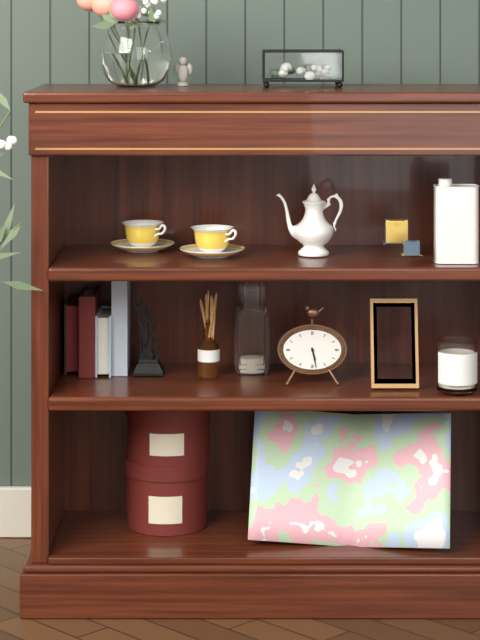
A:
h=5 m=28
